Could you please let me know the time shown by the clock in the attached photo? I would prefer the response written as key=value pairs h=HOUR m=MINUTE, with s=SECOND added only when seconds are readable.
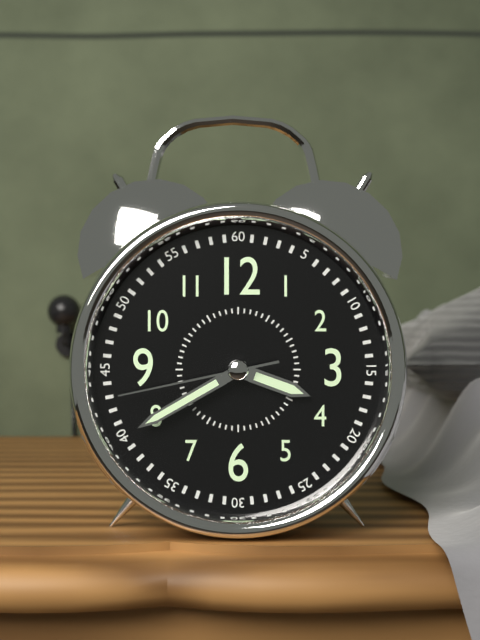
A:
h=3 m=40 s=43
